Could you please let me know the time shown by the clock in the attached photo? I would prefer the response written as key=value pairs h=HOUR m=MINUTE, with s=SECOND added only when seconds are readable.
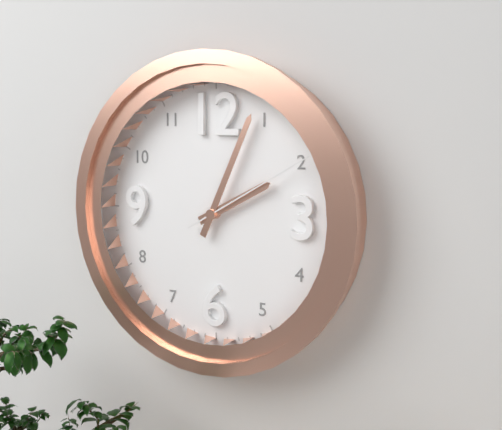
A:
h=2 m=4 s=10
